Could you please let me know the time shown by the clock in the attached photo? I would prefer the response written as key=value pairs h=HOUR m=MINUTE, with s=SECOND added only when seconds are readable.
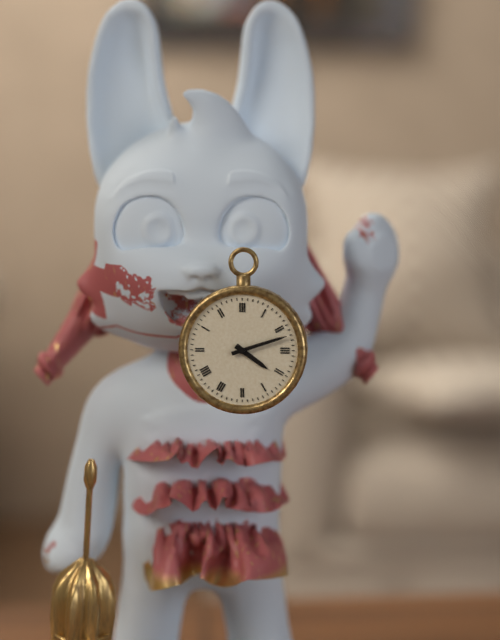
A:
h=4 m=12
